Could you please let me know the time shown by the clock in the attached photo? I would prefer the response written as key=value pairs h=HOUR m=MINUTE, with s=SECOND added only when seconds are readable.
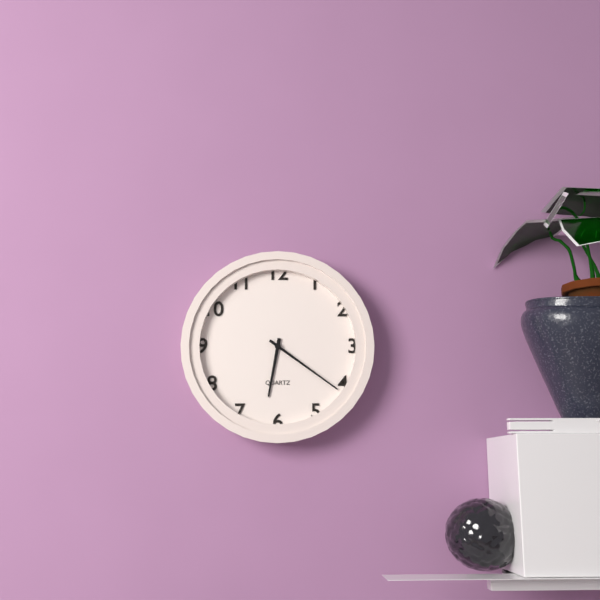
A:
h=6 m=21
